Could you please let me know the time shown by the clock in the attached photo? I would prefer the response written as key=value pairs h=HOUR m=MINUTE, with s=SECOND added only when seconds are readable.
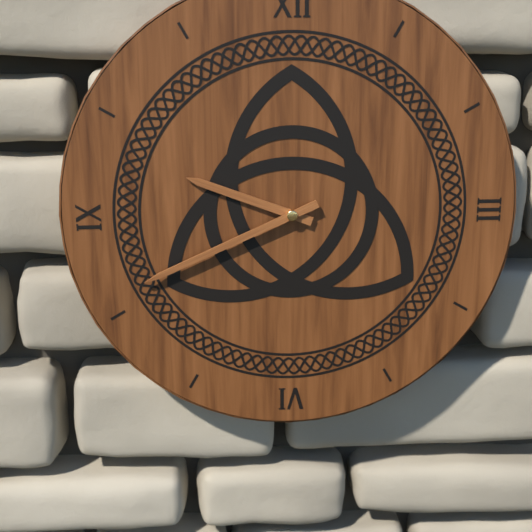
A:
h=9 m=41
